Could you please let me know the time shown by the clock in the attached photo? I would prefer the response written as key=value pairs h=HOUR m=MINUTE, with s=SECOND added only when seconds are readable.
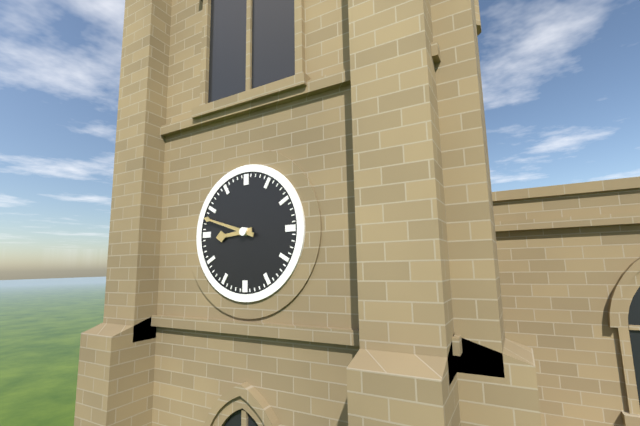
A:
h=8 m=48
